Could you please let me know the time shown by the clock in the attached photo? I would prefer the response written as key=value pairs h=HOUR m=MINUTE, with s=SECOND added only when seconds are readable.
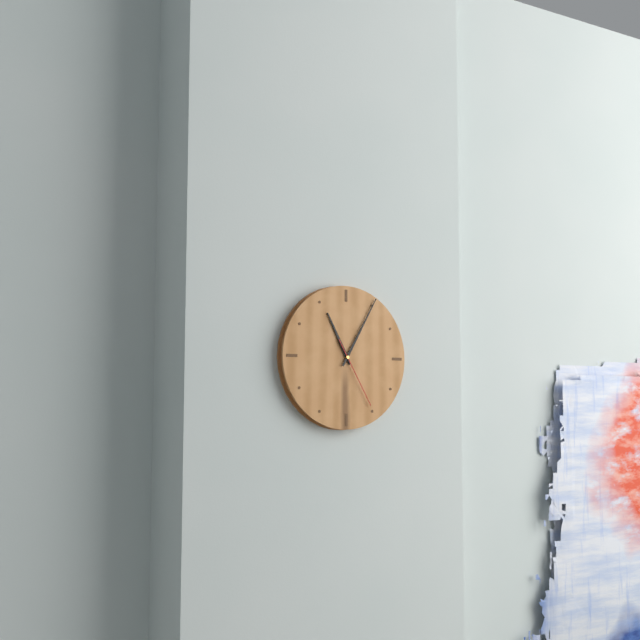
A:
h=11 m=5 s=25
